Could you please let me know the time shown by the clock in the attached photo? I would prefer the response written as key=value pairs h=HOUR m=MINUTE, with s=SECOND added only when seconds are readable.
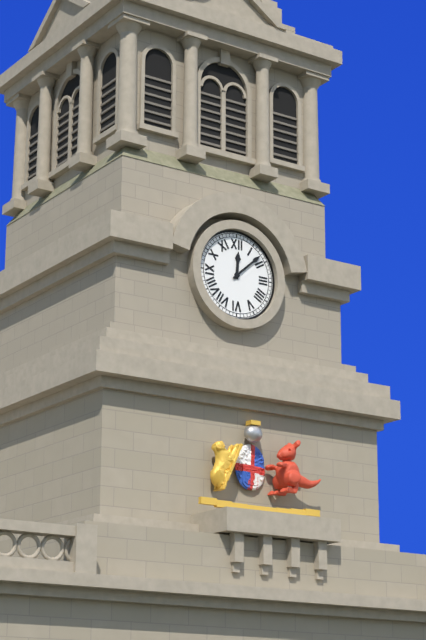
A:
h=12 m=8
